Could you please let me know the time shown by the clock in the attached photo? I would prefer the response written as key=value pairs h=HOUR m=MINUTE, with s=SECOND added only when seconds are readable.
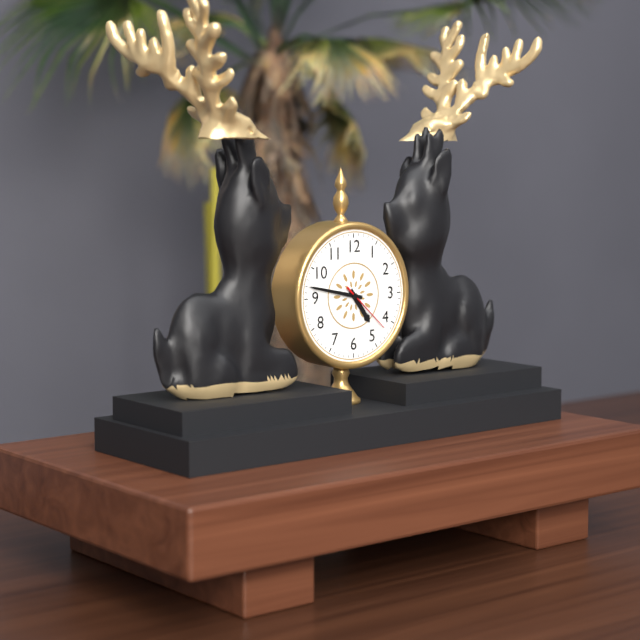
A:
h=4 m=47 s=22
